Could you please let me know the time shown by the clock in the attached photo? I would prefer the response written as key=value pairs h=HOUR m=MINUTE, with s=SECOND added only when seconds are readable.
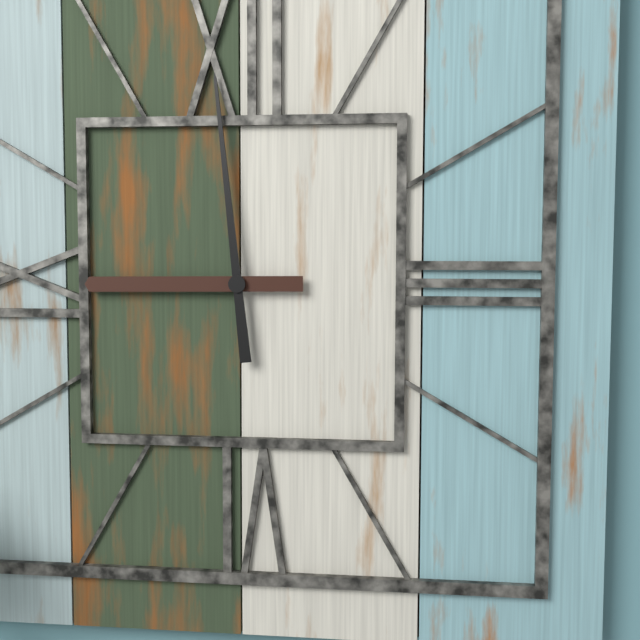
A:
h=8 m=59
